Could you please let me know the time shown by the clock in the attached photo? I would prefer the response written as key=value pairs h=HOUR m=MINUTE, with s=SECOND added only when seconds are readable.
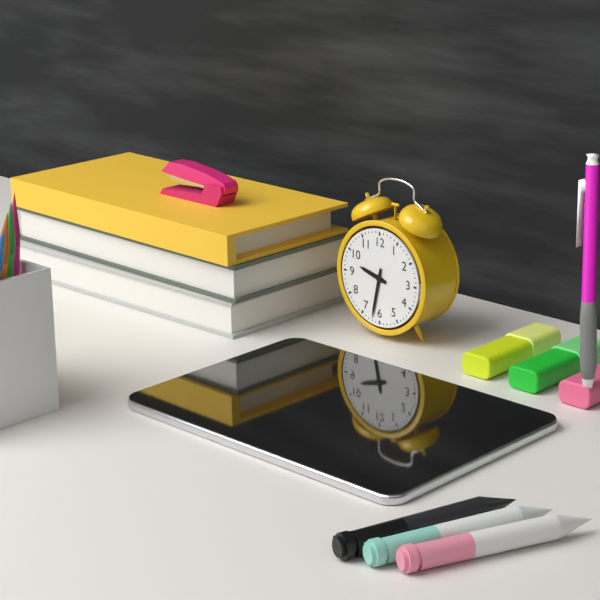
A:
h=9 m=32
